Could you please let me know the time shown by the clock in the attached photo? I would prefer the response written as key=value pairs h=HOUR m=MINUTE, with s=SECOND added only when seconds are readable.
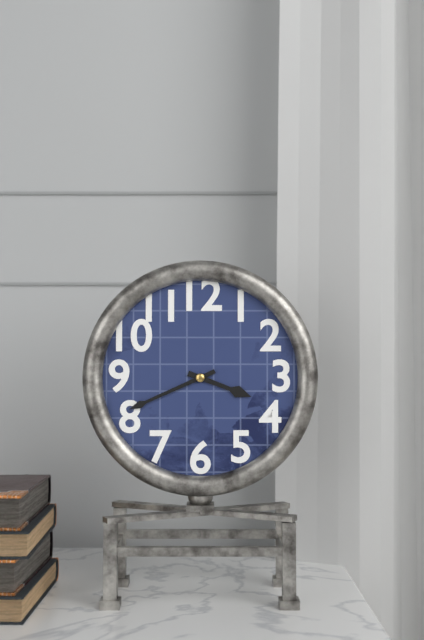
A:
h=3 m=41
